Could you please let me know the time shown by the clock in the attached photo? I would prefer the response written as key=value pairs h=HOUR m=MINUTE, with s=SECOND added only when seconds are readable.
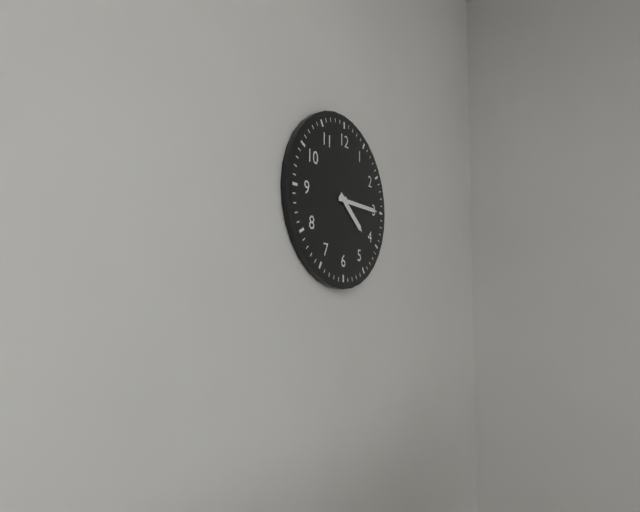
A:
h=4 m=15
